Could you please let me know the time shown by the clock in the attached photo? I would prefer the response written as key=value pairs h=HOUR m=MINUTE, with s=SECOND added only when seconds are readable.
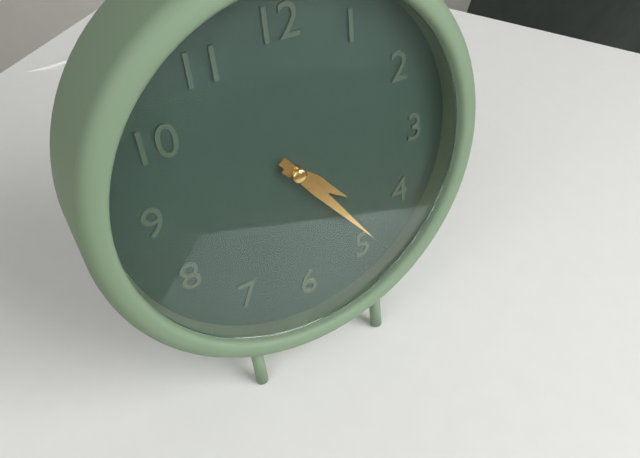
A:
h=4 m=24
